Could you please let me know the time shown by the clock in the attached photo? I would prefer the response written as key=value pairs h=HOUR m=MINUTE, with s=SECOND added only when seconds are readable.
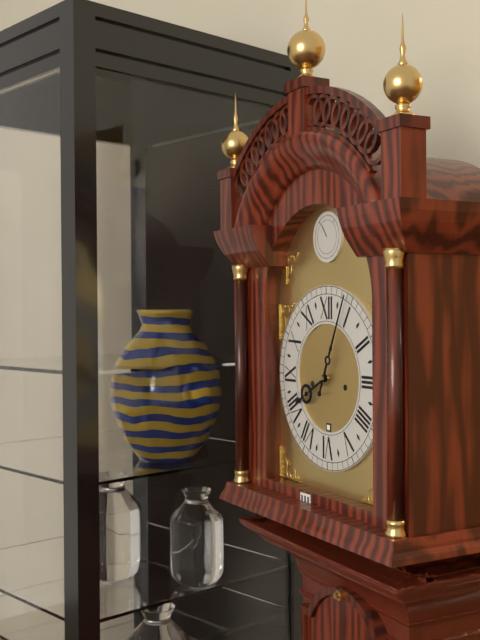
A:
h=8 m=4
